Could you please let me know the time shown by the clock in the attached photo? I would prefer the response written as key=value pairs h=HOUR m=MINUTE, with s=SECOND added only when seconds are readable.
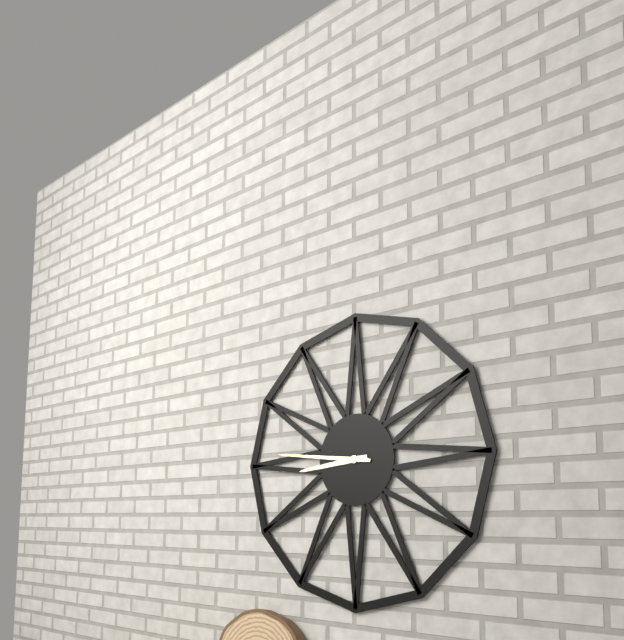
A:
h=8 m=46
